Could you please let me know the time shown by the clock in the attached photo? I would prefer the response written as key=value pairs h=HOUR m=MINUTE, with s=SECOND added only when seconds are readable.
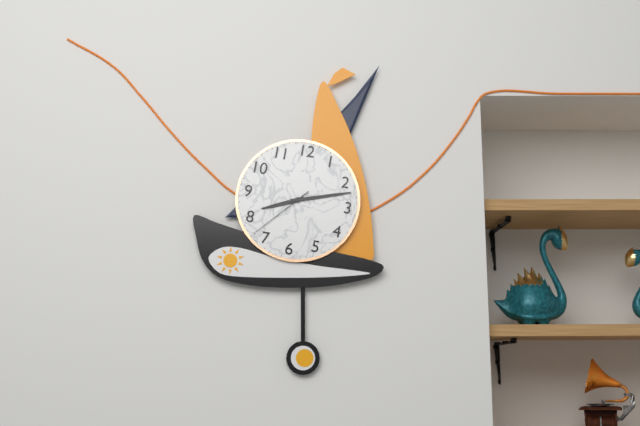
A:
h=8 m=12 s=37
